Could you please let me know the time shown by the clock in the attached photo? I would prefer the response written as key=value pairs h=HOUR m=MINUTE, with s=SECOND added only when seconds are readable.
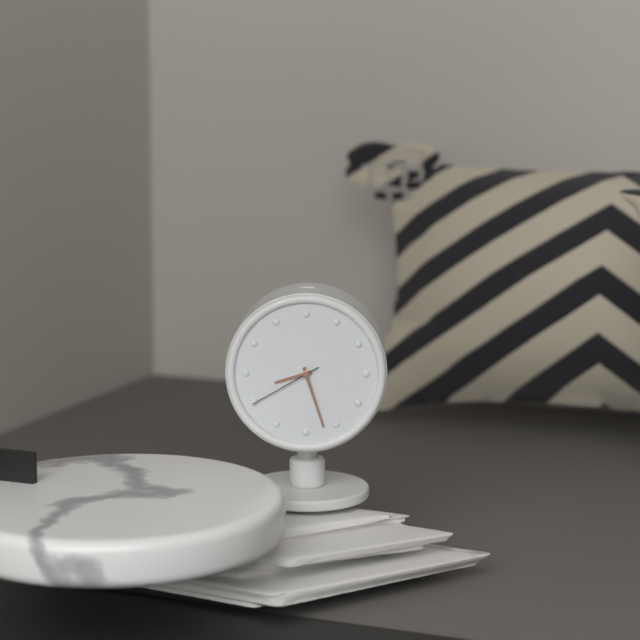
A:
h=8 m=27 s=40
